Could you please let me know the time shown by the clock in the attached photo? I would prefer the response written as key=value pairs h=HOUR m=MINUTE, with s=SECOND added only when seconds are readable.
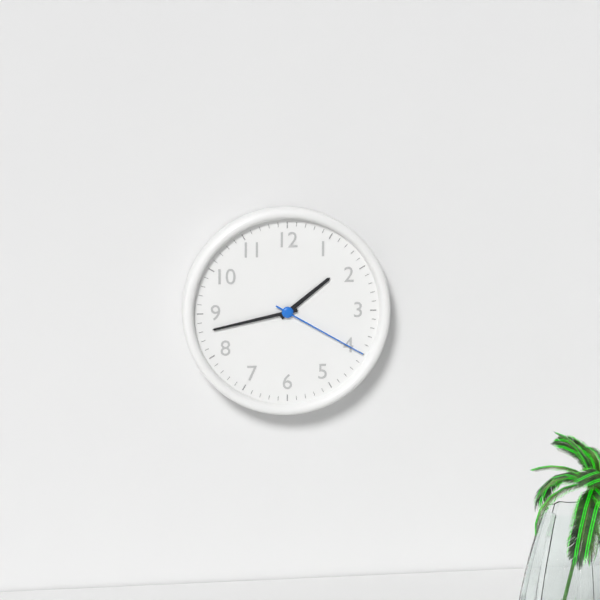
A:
h=1 m=43 s=20
